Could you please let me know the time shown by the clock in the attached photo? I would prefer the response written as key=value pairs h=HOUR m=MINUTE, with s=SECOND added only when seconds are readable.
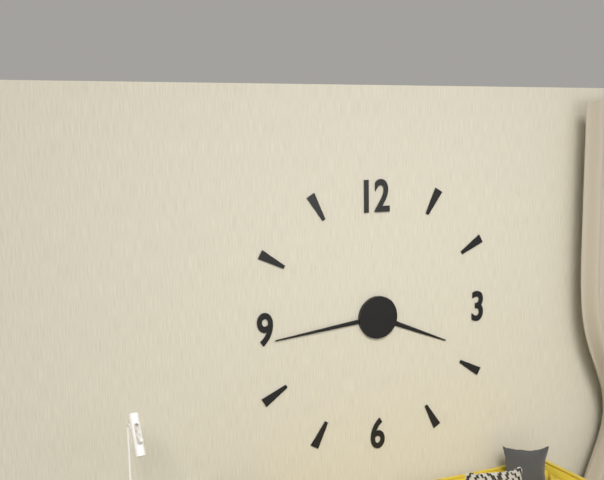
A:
h=3 m=44
